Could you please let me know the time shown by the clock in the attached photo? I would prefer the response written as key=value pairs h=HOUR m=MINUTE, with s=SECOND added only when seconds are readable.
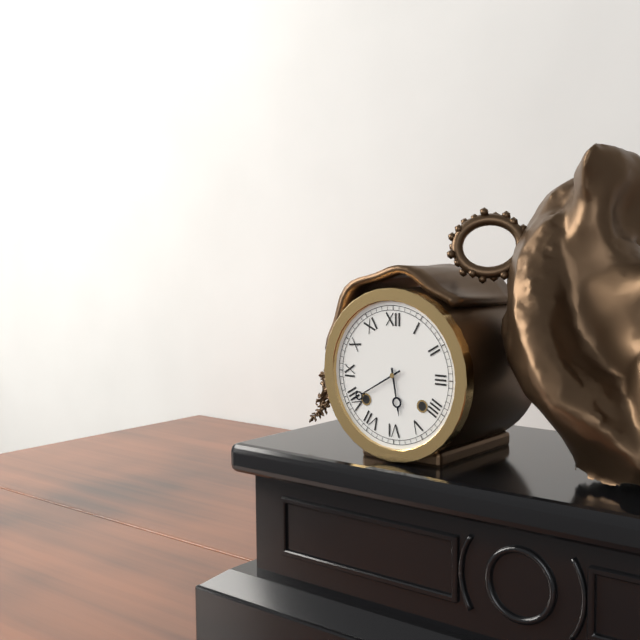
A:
h=5 m=40
